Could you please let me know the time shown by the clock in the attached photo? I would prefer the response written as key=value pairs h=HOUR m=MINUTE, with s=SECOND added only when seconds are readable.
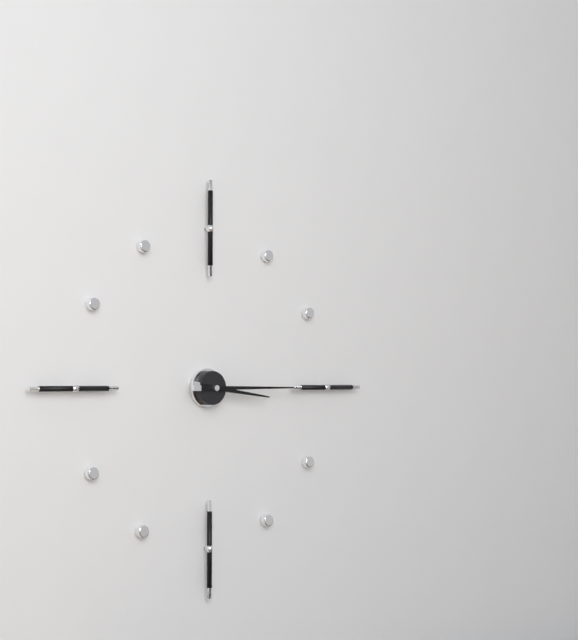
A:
h=3 m=15
